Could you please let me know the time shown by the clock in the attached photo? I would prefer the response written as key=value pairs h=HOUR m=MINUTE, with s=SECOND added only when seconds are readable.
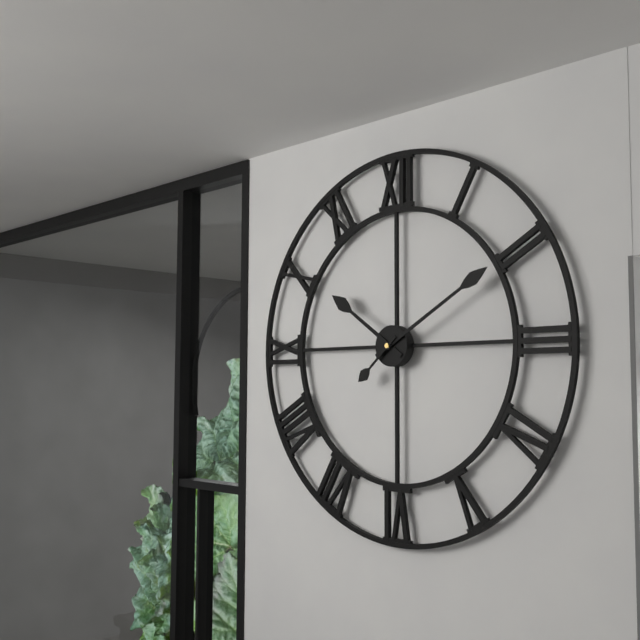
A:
h=10 m=10 s=38
